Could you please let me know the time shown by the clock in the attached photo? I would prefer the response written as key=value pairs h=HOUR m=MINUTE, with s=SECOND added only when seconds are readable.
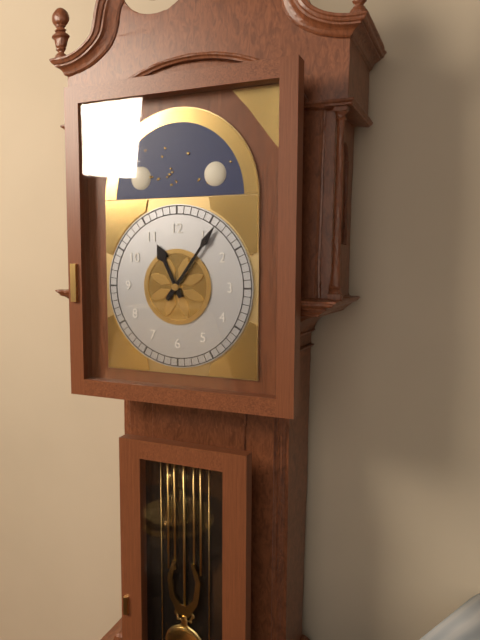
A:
h=11 m=6
